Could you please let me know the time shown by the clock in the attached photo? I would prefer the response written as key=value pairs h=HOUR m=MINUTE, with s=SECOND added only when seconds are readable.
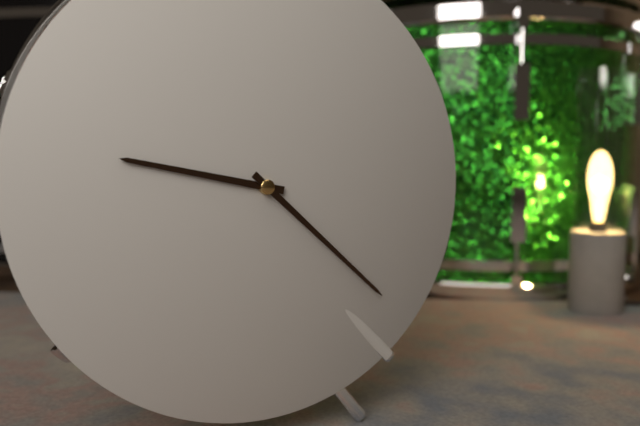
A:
h=9 m=22
